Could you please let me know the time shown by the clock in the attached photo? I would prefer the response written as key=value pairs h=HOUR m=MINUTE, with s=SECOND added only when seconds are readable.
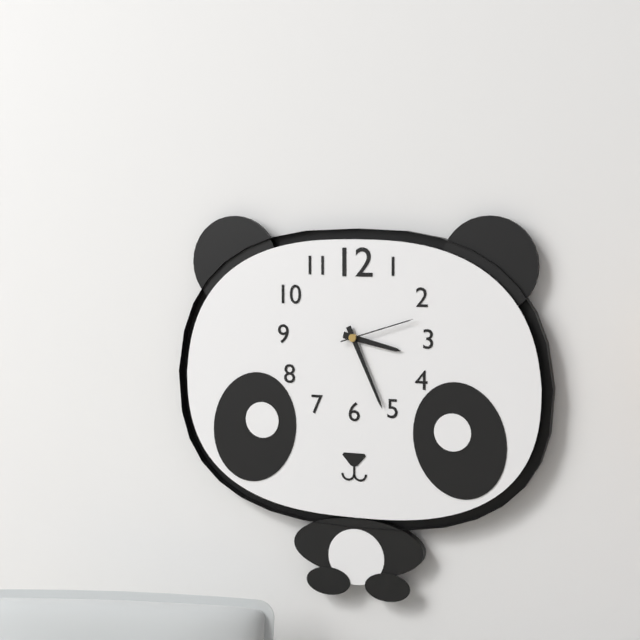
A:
h=3 m=26 s=12
